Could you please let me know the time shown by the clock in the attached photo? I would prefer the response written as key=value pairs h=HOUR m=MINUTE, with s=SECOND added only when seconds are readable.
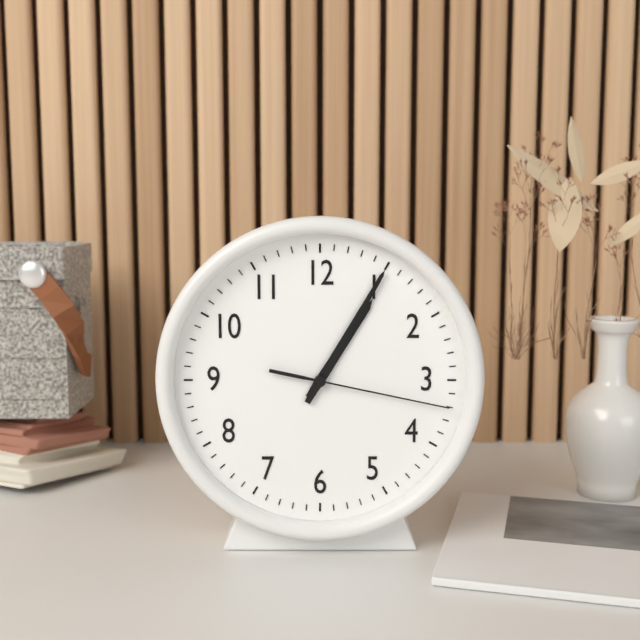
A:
h=1 m=5 s=17
